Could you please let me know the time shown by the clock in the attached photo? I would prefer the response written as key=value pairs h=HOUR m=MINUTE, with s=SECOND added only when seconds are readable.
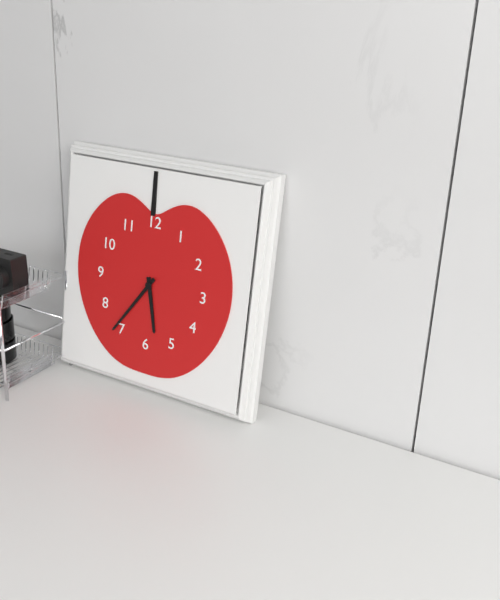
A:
h=5 m=36
